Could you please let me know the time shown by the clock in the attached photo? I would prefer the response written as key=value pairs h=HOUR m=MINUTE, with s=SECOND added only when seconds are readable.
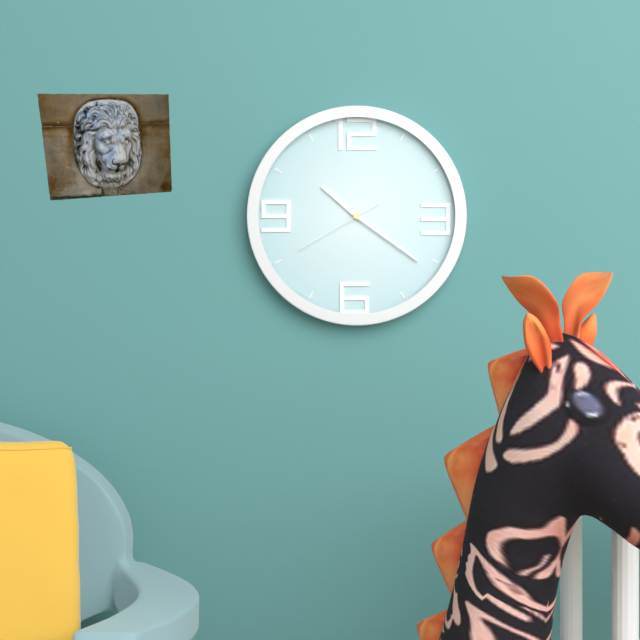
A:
h=10 m=21 s=40
